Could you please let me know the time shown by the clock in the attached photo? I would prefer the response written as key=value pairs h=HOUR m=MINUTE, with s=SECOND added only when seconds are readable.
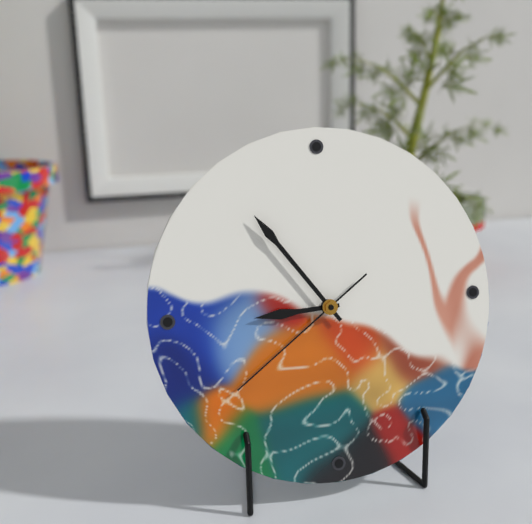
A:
h=8 m=54 s=39
